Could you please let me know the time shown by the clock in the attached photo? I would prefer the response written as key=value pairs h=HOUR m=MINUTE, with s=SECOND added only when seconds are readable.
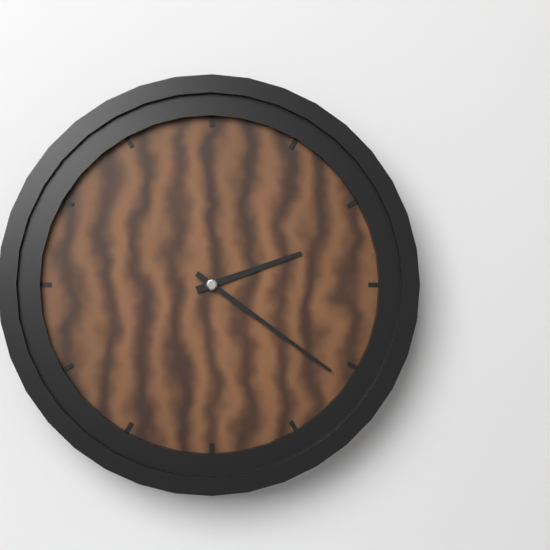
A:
h=2 m=21
